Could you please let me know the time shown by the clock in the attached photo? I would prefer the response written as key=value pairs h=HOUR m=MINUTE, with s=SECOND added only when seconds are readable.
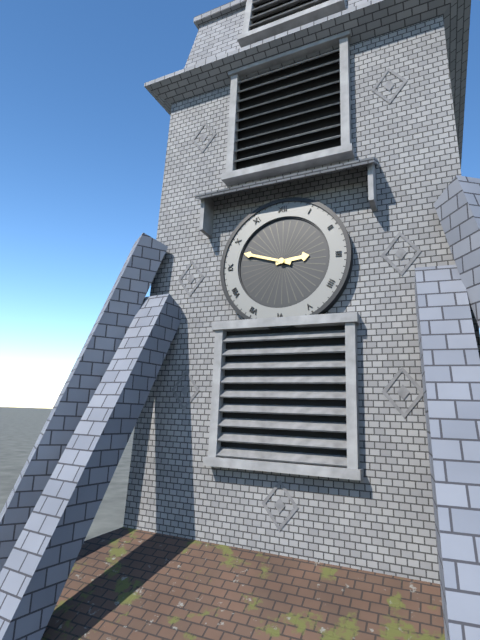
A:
h=2 m=48
